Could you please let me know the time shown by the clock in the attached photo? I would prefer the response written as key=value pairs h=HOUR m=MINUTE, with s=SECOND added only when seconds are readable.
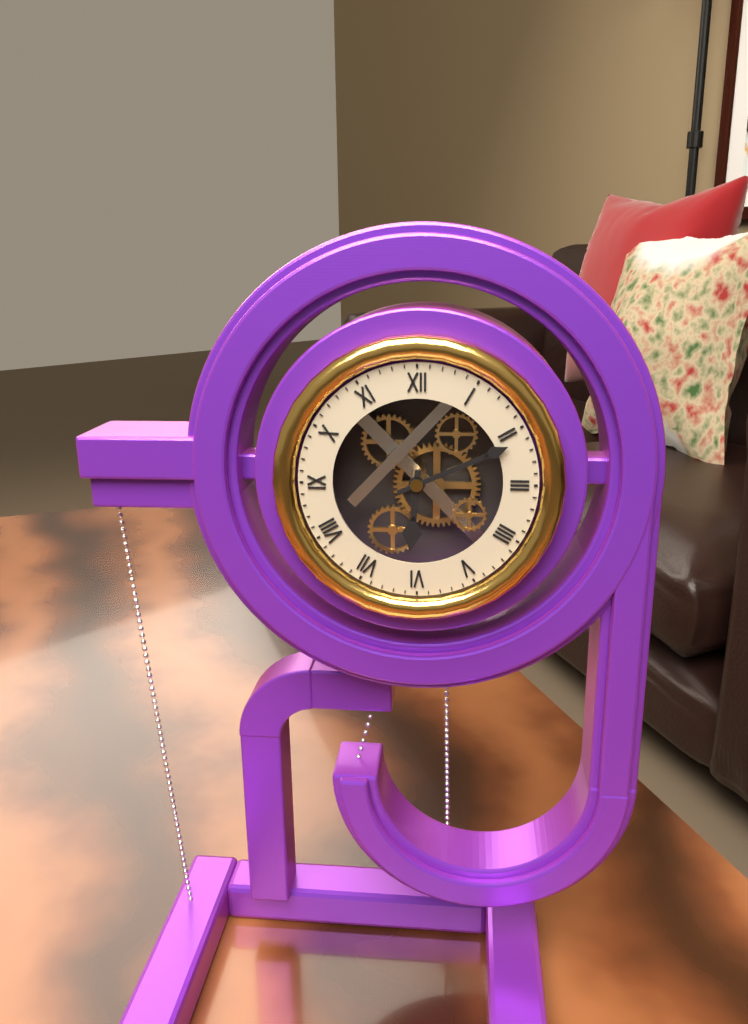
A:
h=6 m=11
